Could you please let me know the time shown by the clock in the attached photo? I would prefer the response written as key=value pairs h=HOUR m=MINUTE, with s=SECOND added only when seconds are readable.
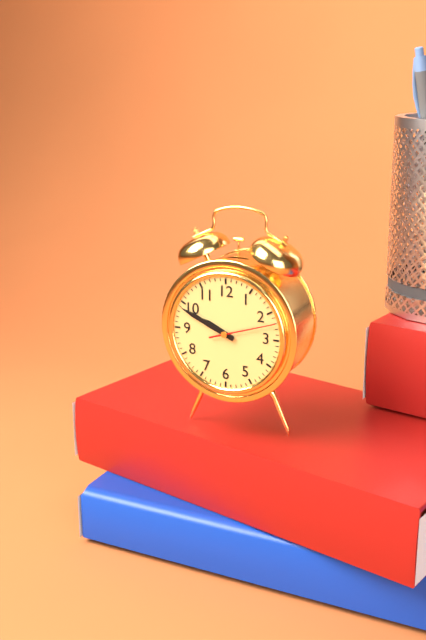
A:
h=9 m=49 s=12
